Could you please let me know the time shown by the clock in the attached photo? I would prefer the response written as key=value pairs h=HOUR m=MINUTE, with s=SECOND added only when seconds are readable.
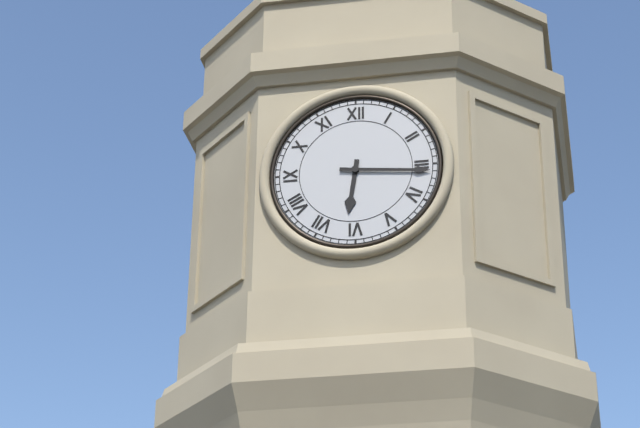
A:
h=6 m=16
